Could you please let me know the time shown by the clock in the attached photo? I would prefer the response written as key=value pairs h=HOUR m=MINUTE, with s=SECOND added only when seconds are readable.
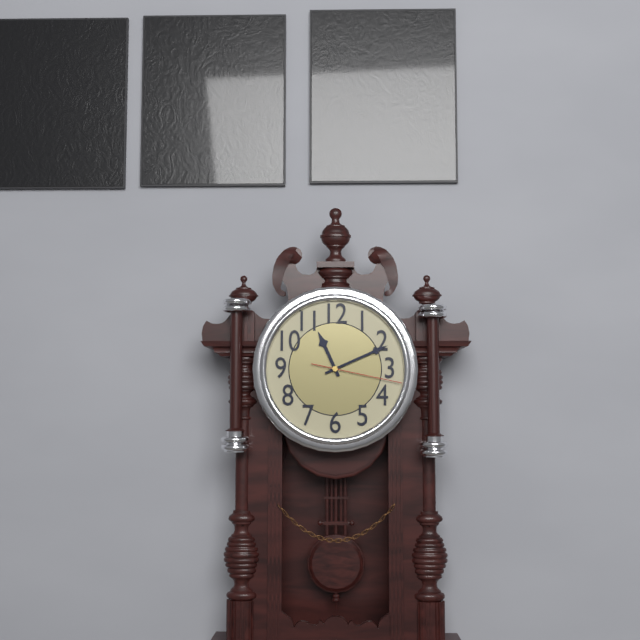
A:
h=11 m=11 s=17
